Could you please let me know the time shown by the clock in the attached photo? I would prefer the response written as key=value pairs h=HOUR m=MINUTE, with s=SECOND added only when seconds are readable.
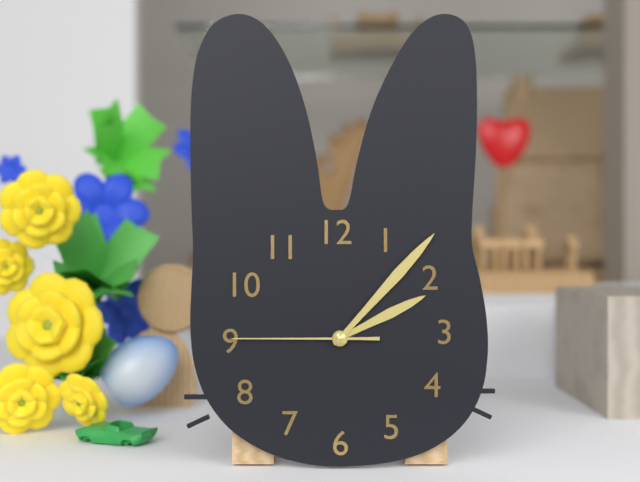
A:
h=2 m=7 s=45
